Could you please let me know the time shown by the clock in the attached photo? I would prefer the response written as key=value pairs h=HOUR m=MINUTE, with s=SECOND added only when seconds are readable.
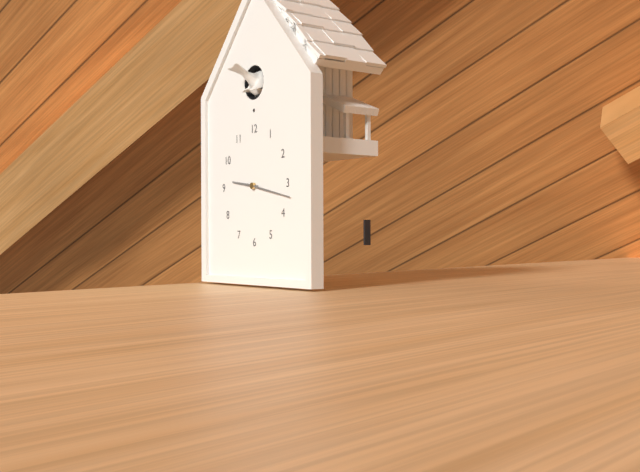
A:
h=9 m=17
